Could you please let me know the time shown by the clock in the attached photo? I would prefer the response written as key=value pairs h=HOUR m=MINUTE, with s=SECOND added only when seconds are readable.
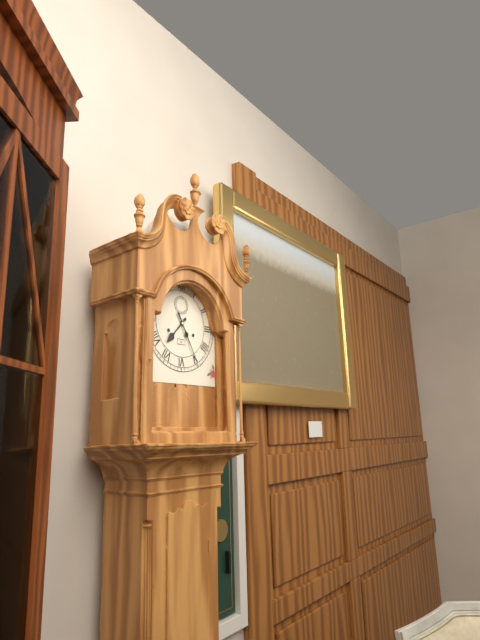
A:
h=7 m=25
